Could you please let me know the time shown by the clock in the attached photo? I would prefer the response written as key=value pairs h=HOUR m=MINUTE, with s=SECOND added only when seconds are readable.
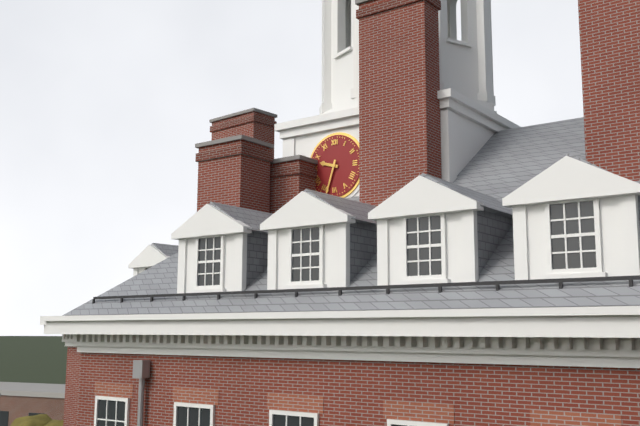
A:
h=9 m=33
